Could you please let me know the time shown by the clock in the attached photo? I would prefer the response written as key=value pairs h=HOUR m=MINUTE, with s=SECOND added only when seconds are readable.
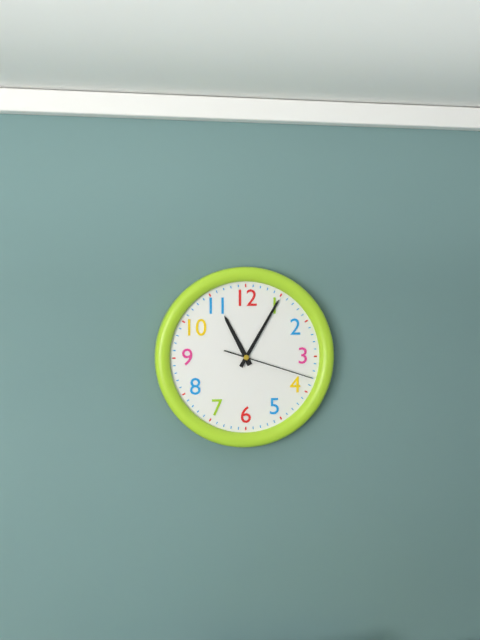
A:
h=11 m=5 s=18
